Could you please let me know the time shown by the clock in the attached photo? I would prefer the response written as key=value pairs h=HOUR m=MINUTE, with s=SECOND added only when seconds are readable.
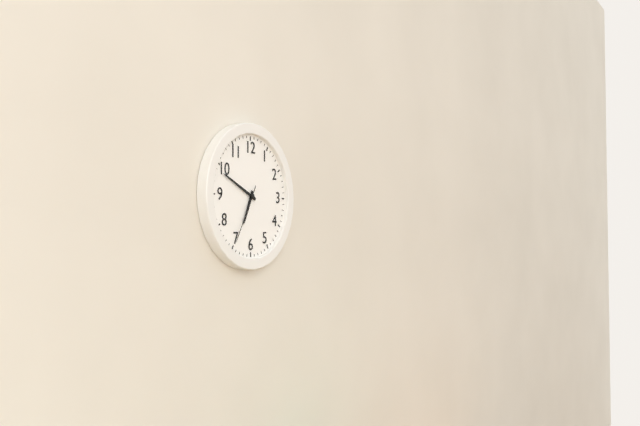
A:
h=6 m=49 s=35
